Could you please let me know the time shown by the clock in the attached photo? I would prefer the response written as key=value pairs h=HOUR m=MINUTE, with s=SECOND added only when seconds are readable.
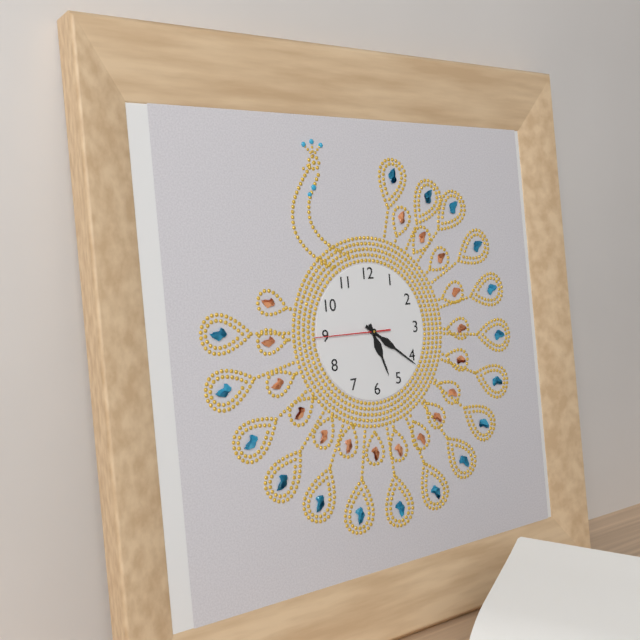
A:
h=5 m=21 s=45
